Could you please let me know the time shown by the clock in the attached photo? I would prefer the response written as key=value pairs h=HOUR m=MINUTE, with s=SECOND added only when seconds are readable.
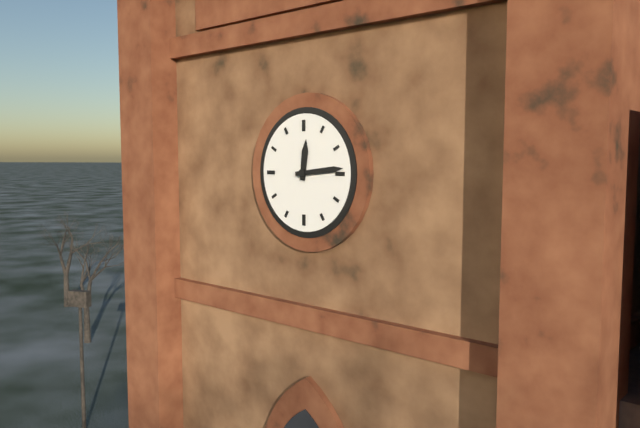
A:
h=12 m=14
